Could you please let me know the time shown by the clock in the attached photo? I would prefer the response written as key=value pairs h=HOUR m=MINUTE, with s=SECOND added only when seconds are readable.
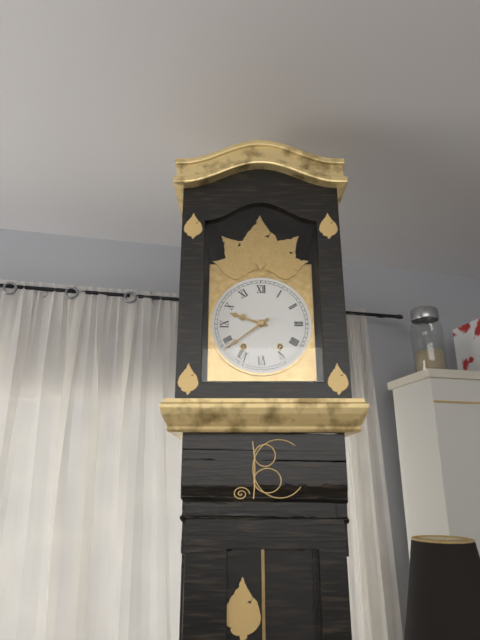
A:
h=9 m=39
